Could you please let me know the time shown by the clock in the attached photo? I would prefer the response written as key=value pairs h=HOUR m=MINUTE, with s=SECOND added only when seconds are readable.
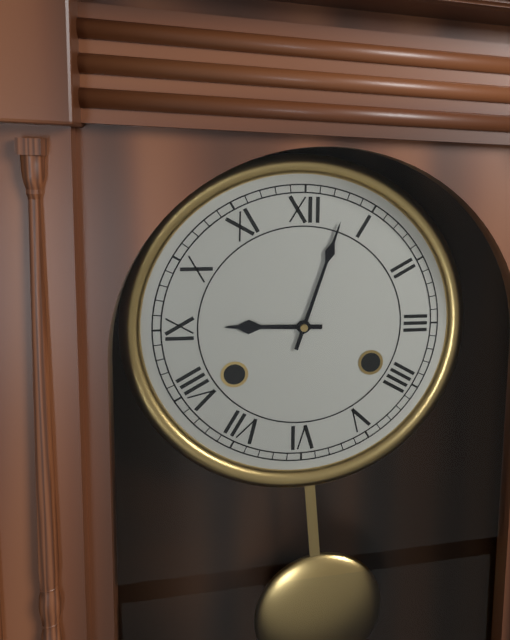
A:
h=9 m=3
